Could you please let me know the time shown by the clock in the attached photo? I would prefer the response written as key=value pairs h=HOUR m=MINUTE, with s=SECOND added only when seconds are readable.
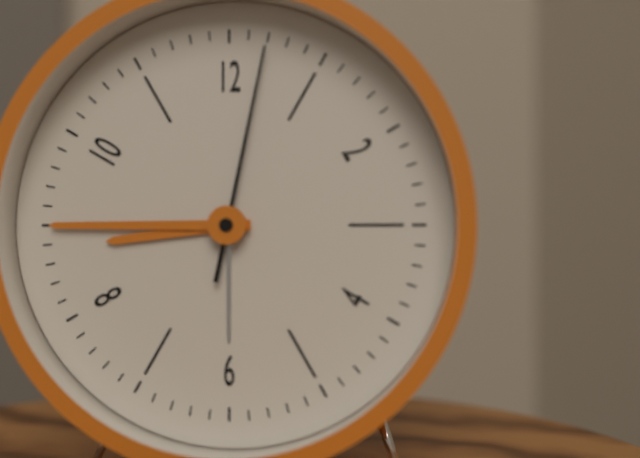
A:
h=8 m=45 s=2
